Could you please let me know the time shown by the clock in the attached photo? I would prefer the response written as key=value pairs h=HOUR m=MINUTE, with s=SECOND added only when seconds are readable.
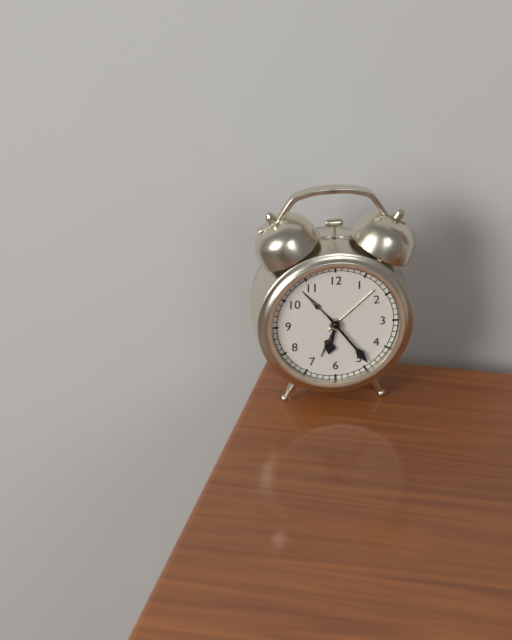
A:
h=6 m=24
